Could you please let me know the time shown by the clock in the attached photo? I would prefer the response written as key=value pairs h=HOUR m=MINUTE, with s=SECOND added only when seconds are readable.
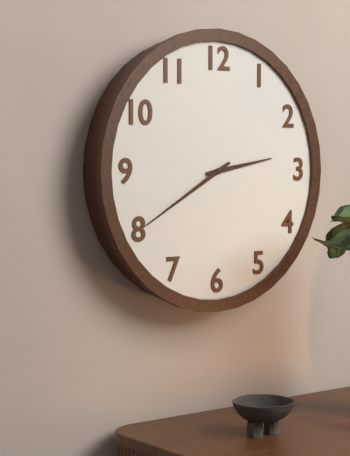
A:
h=2 m=40
